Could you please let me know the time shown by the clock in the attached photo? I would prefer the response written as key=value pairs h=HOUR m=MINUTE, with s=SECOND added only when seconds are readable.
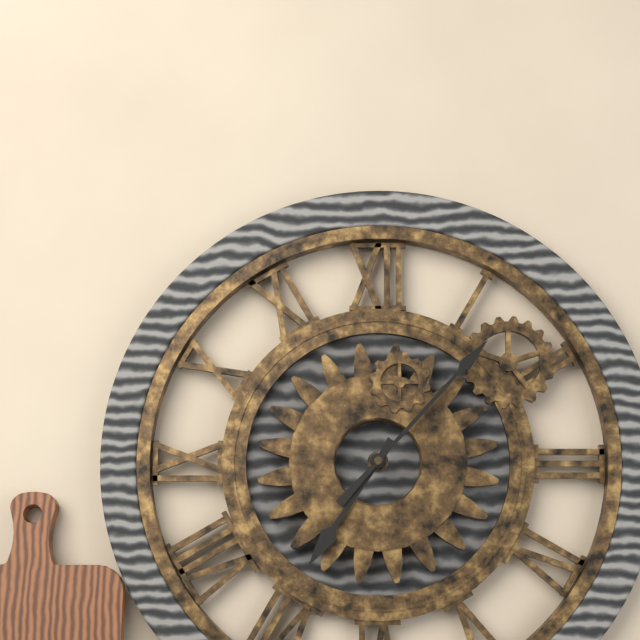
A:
h=7 m=7
